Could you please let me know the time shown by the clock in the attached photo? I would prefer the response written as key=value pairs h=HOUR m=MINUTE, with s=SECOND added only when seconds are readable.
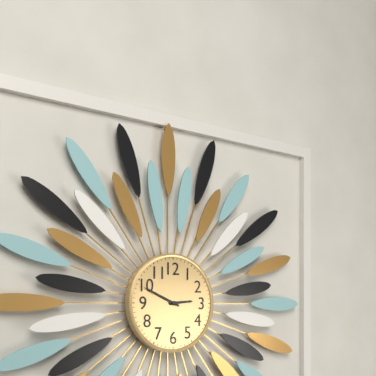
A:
h=2 m=49
